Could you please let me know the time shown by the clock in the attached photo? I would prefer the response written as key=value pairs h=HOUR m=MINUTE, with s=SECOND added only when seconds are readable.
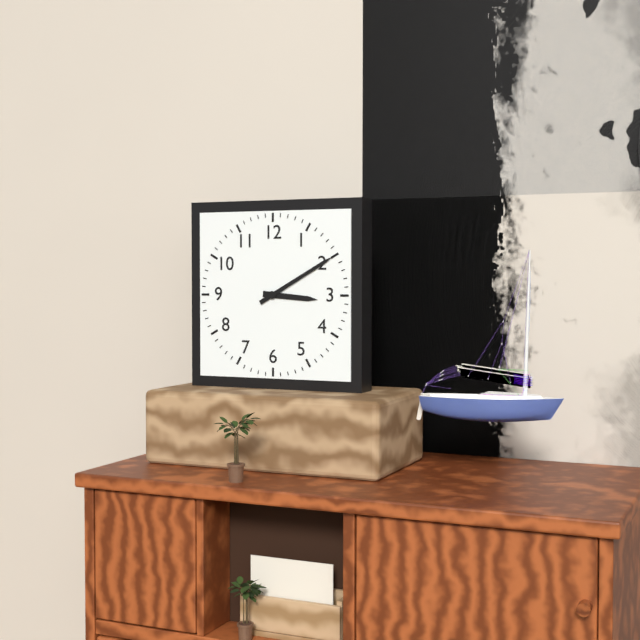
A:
h=3 m=10
